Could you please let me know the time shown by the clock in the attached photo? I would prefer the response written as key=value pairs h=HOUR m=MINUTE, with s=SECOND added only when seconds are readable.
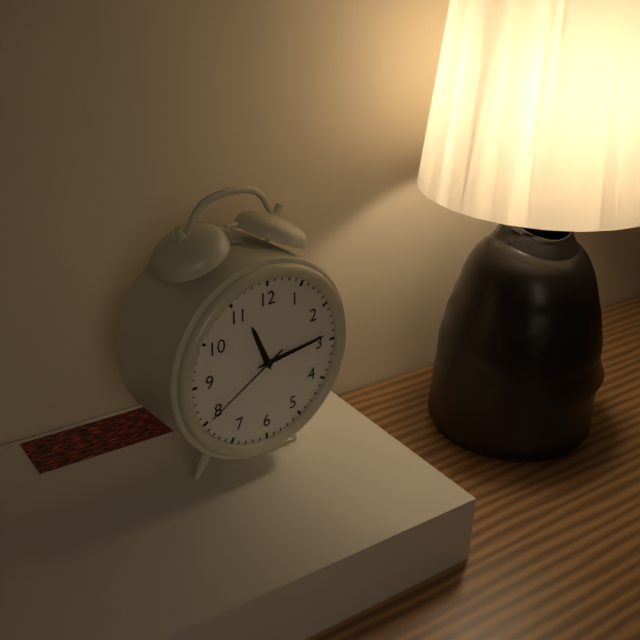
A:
h=11 m=14 s=40
